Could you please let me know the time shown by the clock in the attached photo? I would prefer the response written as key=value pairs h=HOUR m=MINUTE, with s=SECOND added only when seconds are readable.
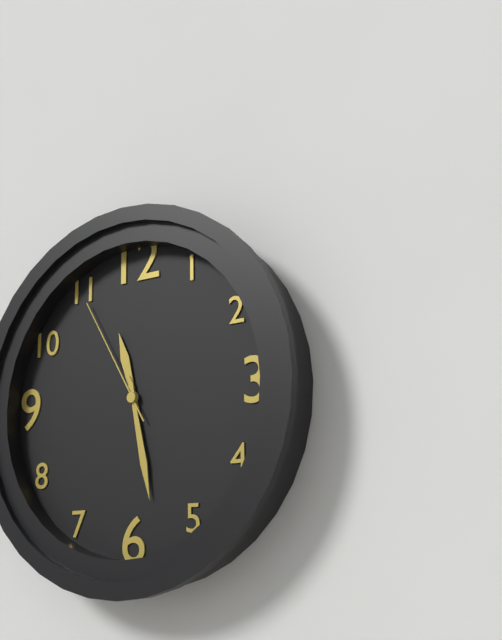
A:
h=11 m=28 s=55
